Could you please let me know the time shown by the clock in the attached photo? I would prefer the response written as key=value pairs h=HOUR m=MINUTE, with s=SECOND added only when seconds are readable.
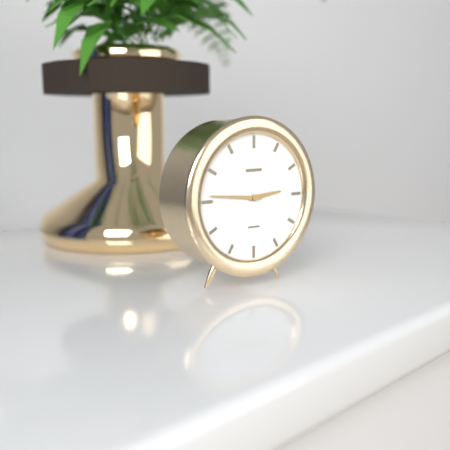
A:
h=2 m=46
